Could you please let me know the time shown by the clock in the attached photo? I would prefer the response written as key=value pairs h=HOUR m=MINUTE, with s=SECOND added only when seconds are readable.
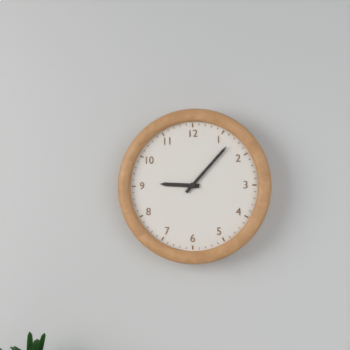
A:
h=9 m=7
